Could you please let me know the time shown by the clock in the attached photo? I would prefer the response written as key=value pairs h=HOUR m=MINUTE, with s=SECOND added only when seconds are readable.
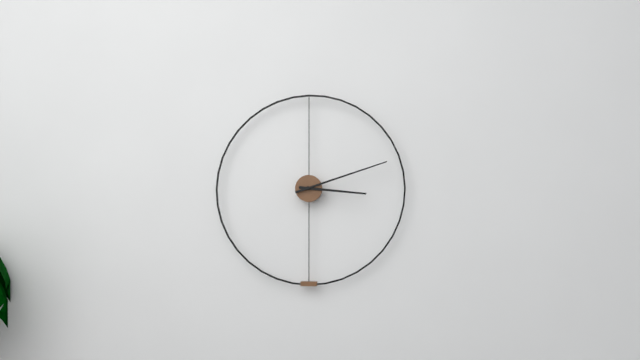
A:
h=3 m=12
